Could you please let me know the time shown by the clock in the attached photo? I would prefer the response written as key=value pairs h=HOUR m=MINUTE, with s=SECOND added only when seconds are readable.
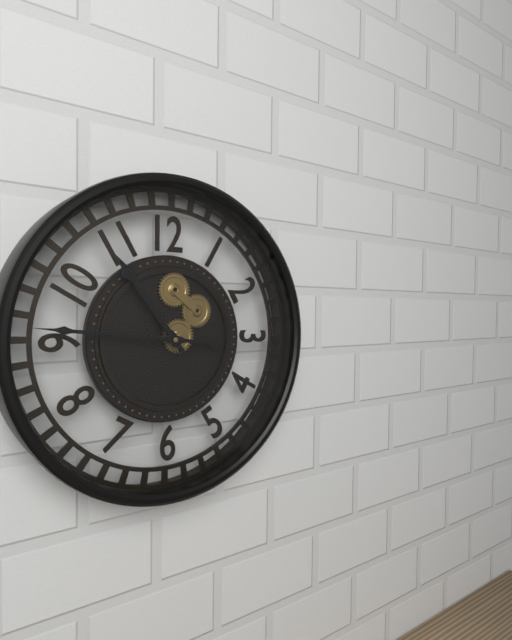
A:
h=10 m=46
